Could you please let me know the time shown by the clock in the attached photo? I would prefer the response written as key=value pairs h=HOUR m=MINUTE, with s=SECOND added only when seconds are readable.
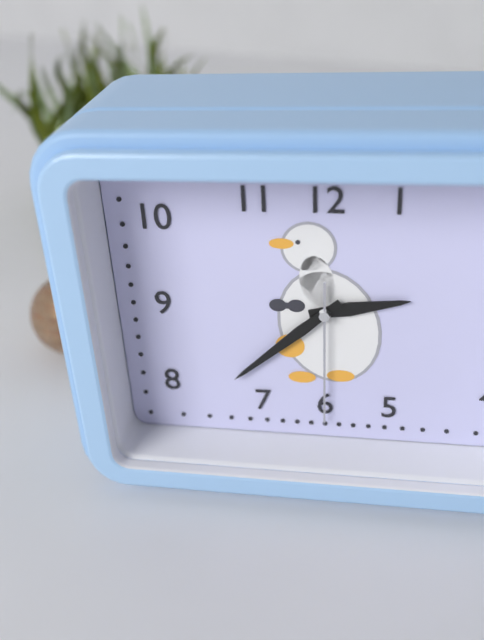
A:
h=2 m=38 s=30
